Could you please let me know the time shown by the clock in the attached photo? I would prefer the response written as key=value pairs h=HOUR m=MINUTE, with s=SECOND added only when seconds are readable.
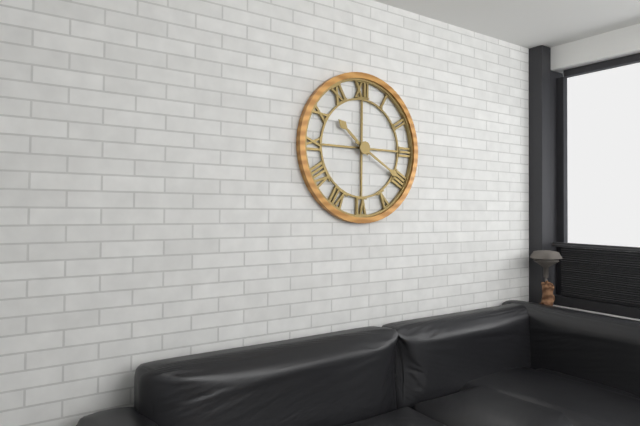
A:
h=10 m=20
